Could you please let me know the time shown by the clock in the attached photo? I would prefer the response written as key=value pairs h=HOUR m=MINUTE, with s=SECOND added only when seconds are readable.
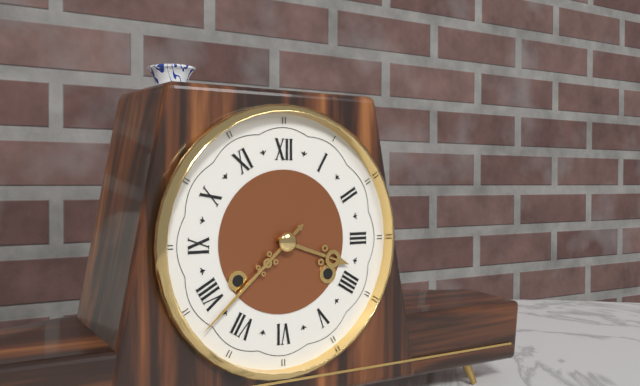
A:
h=3 m=38
